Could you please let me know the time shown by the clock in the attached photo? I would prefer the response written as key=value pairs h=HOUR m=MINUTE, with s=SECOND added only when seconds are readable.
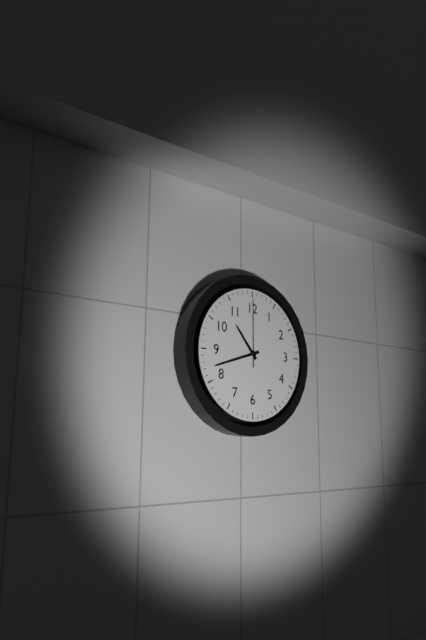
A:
h=10 m=42 s=0
